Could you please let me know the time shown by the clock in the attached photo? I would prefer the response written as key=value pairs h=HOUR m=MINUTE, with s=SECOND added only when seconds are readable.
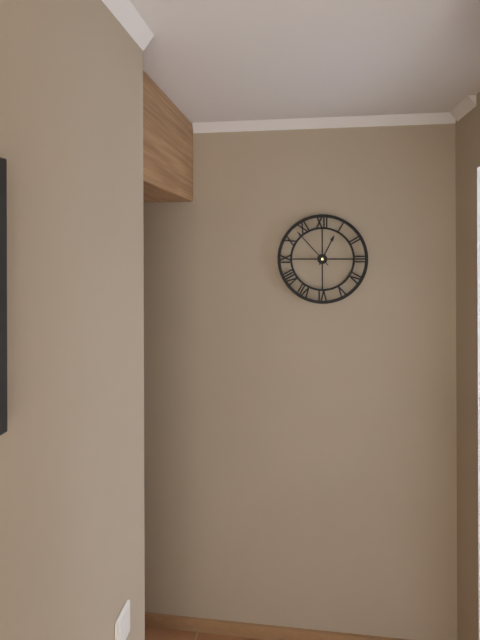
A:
h=12 m=53
